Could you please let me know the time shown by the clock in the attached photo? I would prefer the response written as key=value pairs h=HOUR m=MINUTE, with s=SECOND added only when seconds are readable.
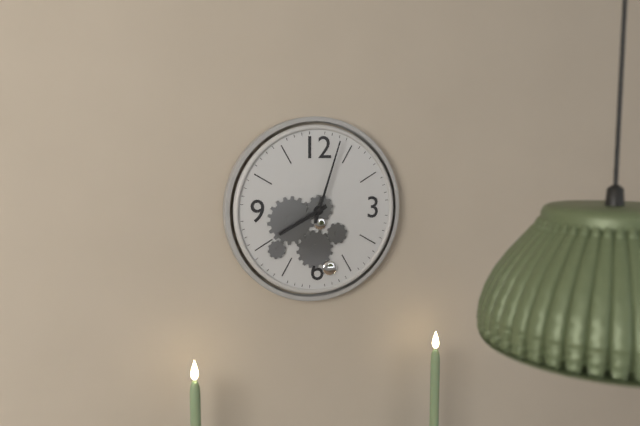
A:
h=8 m=3
